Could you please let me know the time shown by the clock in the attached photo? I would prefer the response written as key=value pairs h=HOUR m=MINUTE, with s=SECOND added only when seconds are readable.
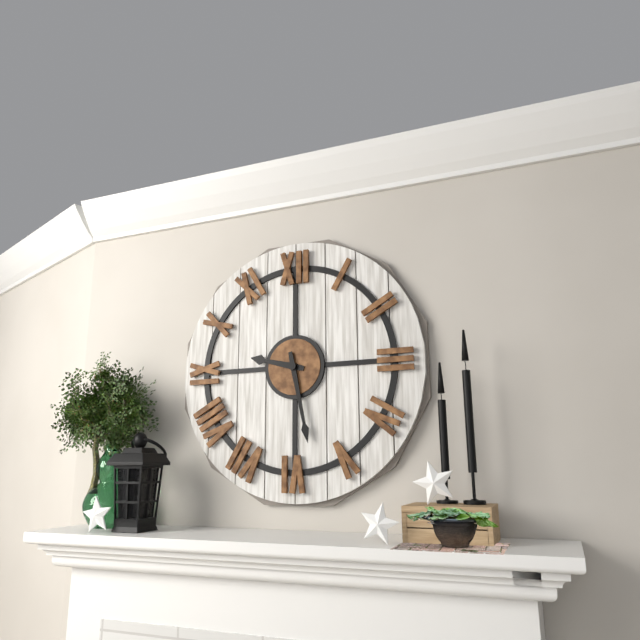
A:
h=9 m=28
